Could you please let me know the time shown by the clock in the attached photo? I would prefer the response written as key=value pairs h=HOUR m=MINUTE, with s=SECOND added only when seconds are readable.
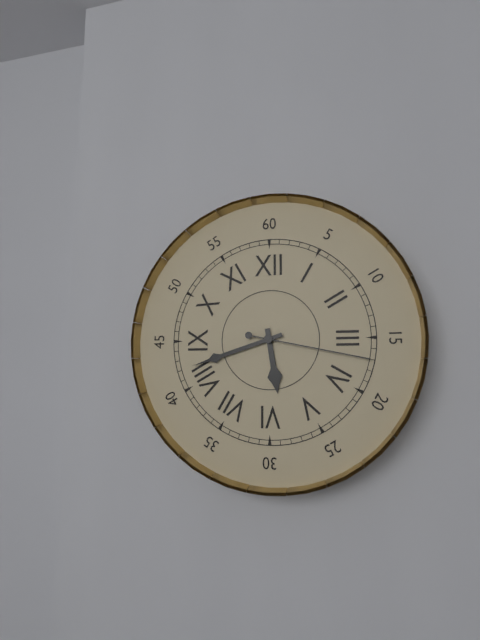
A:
h=5 m=42 s=17
